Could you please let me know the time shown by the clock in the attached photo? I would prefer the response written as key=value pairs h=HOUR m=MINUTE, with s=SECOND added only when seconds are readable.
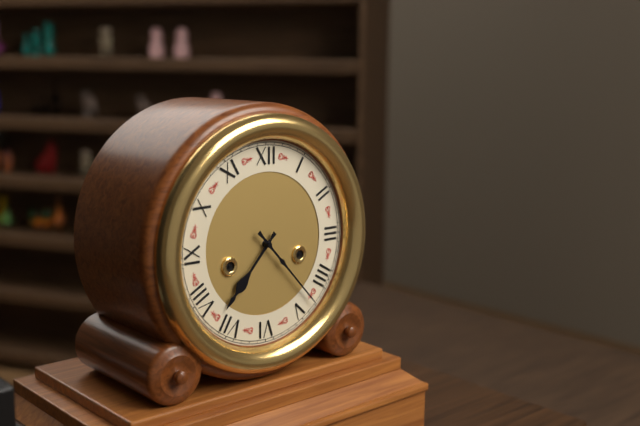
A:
h=7 m=23
